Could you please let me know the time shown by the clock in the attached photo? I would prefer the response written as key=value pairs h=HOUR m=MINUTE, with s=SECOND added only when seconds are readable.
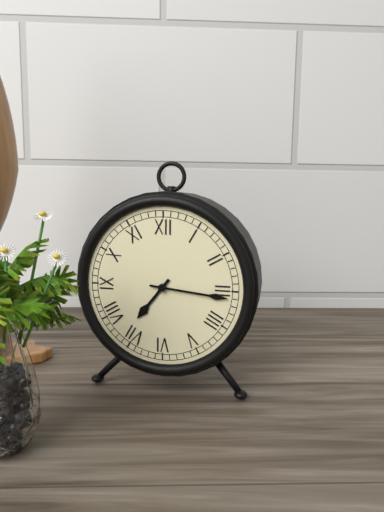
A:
h=7 m=16
